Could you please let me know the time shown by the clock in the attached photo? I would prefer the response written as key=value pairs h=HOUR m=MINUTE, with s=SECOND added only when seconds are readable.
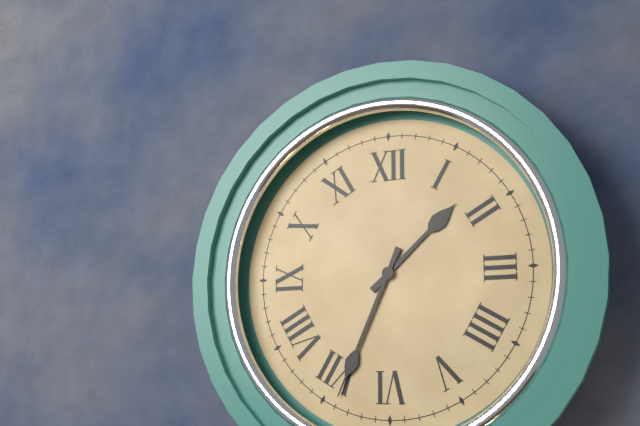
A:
h=1 m=34
